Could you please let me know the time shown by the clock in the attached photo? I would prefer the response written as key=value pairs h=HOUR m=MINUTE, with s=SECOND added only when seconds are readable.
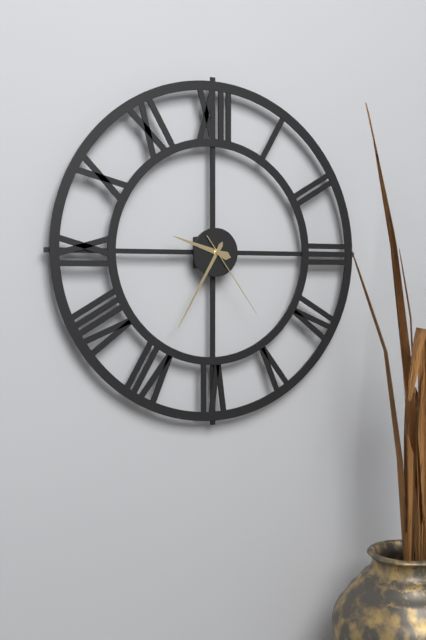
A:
h=9 m=35 s=24
